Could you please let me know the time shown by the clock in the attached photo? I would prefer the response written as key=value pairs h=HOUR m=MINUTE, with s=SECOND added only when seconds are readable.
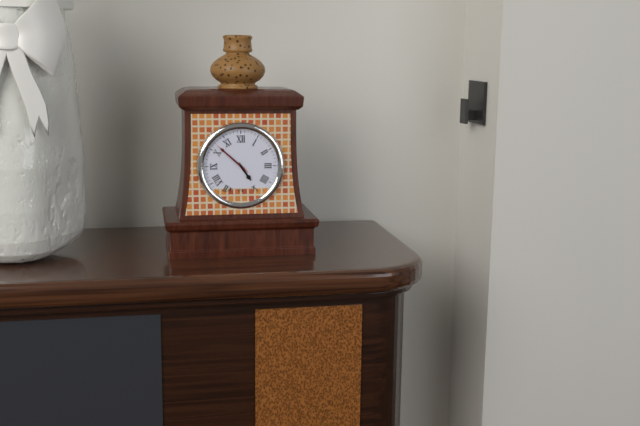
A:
h=4 m=52
